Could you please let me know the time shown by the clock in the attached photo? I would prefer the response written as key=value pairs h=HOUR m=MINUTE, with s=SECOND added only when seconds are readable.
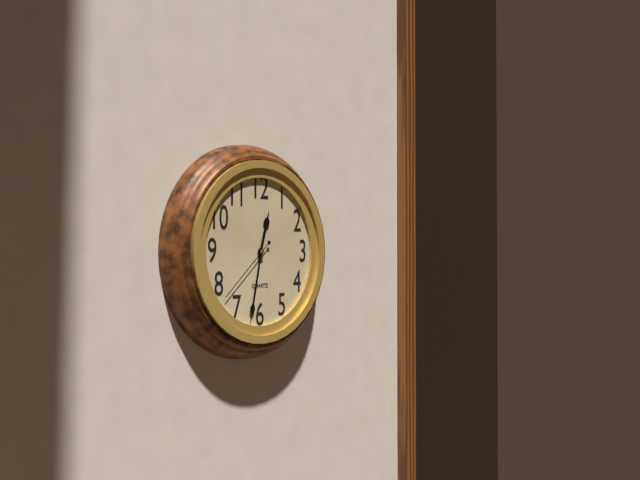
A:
h=12 m=32 s=38
